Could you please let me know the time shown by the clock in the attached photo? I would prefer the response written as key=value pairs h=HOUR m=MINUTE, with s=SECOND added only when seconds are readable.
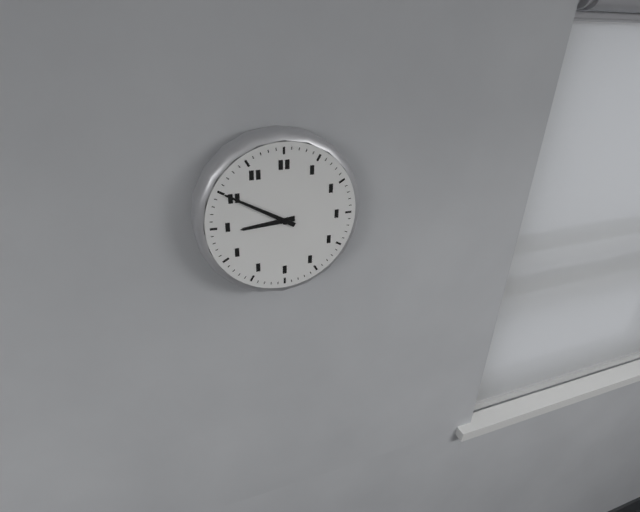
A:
h=8 m=50
